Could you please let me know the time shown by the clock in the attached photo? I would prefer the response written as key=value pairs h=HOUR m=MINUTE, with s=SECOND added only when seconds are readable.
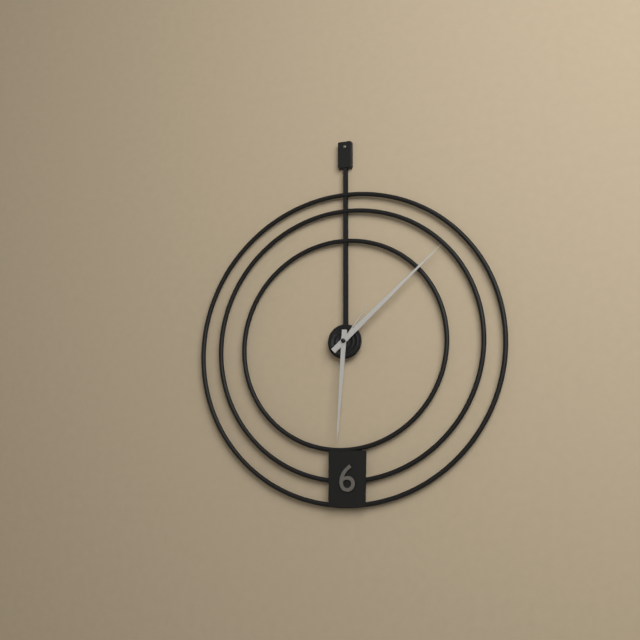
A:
h=6 m=8 s=6
